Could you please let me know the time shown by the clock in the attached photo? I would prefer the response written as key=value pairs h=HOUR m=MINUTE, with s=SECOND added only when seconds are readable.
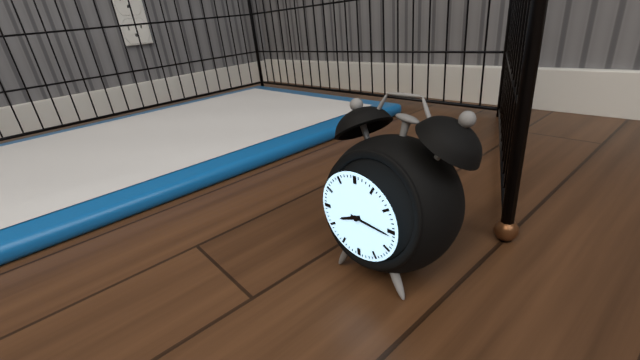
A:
h=8 m=16
